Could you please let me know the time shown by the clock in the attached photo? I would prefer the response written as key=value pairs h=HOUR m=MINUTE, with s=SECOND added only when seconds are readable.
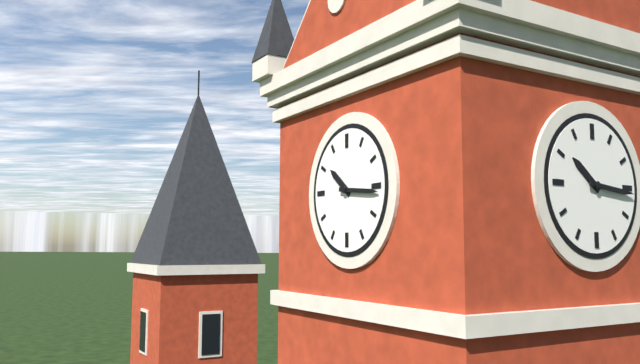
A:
h=10 m=16
